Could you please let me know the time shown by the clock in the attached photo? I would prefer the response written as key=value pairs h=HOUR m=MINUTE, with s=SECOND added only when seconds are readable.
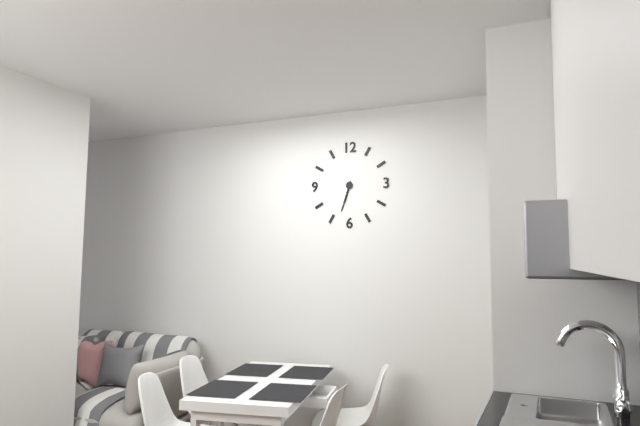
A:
h=6 m=33
